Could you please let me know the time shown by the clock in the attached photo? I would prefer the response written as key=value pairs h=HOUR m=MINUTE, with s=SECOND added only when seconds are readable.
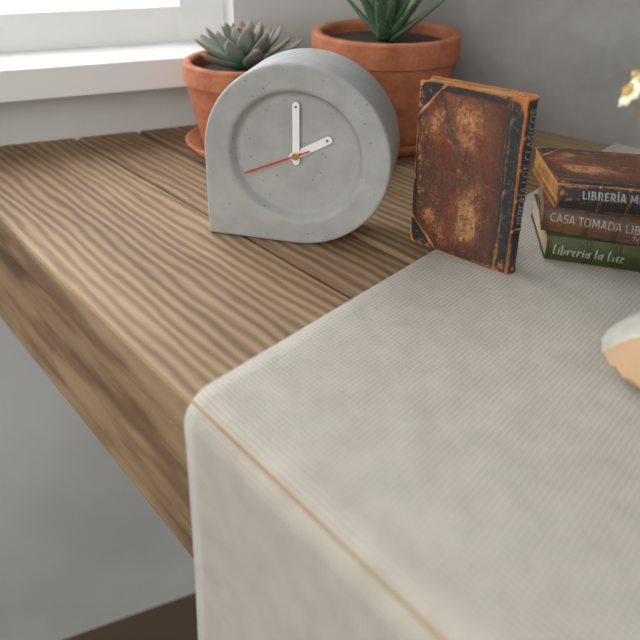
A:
h=2 m=0 s=41
